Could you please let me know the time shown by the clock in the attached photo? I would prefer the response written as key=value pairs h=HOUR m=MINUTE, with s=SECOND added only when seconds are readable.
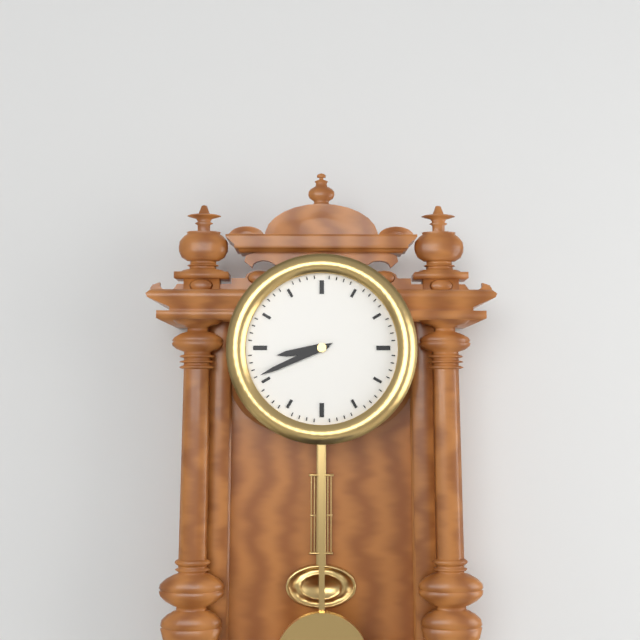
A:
h=8 m=41
